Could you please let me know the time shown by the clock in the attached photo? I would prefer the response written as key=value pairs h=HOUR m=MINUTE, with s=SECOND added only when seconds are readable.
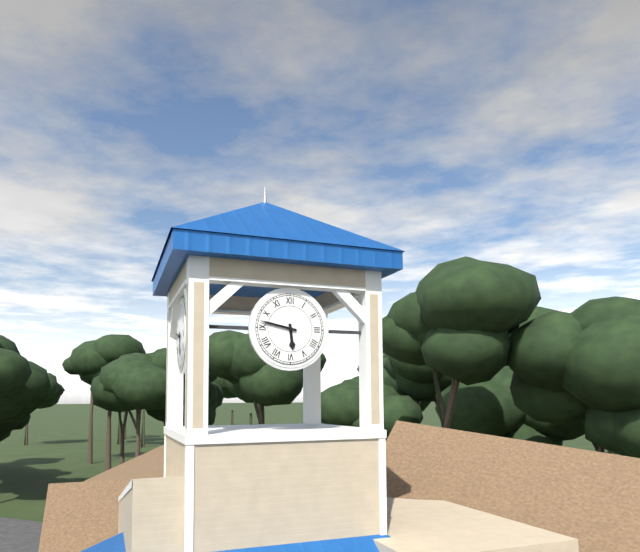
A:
h=5 m=47
